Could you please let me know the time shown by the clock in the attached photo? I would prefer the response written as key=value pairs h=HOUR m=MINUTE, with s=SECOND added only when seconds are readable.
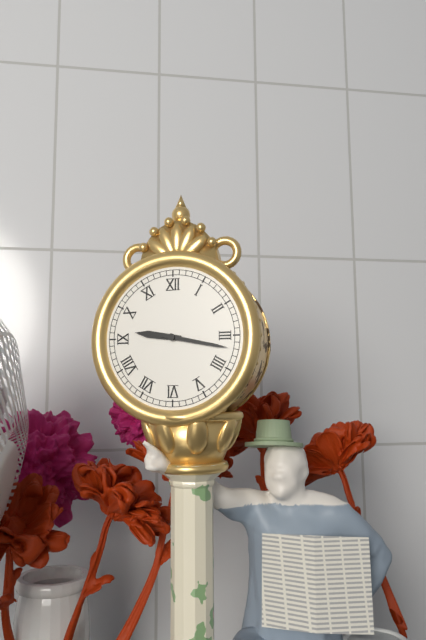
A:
h=9 m=17
